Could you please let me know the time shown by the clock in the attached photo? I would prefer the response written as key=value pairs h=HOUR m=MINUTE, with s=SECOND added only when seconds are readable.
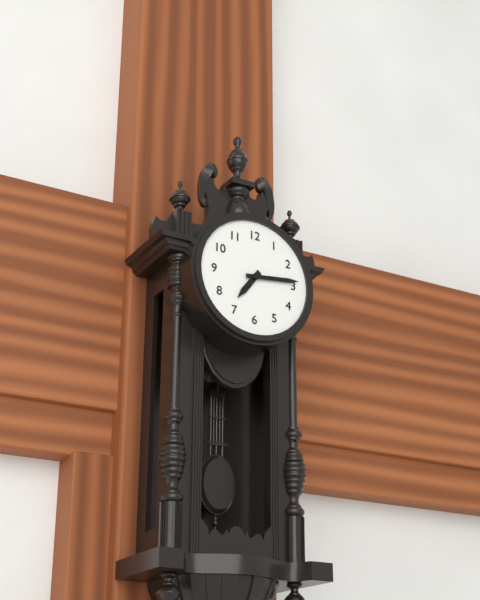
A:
h=7 m=14
